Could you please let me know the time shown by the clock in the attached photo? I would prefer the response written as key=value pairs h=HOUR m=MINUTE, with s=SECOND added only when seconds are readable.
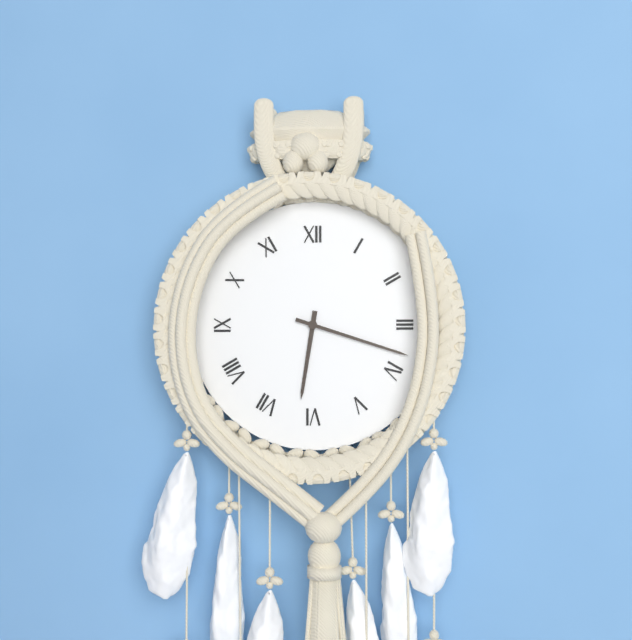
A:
h=6 m=18
